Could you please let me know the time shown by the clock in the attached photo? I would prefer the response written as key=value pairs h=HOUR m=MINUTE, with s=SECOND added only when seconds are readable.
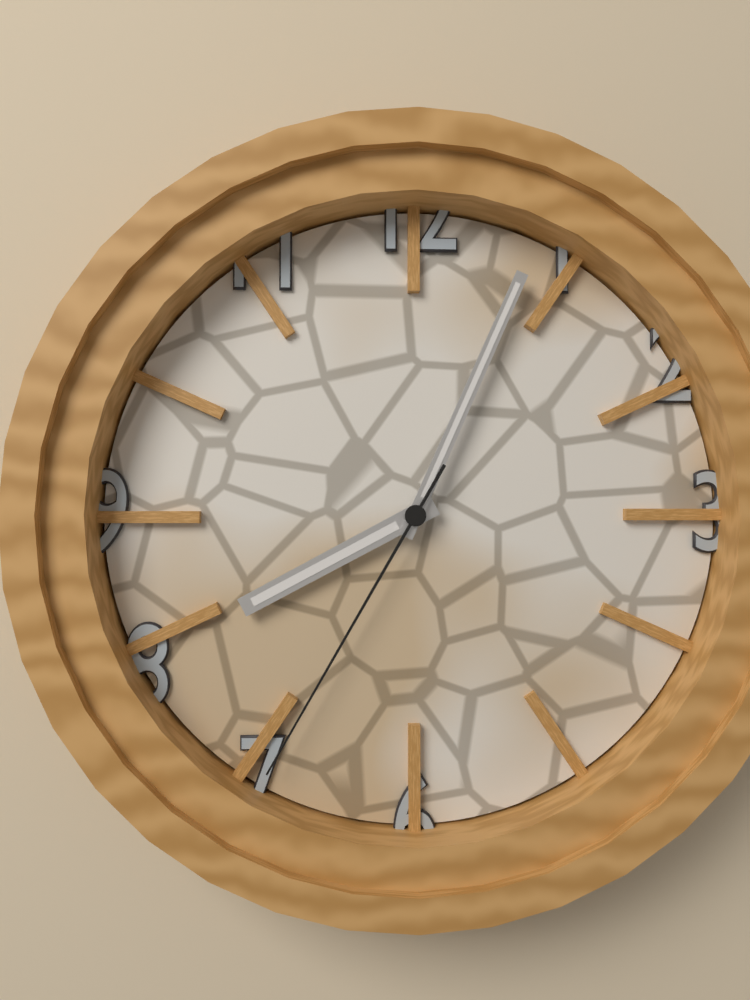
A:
h=8 m=4 s=35
